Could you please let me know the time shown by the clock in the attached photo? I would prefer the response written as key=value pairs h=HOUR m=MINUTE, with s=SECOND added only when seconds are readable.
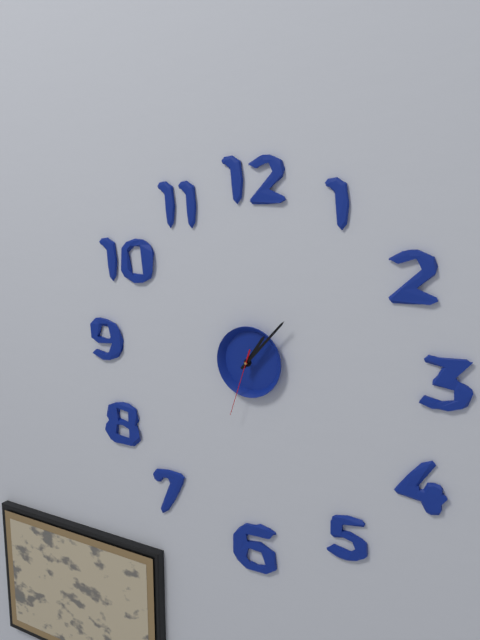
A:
h=1 m=7 s=33
